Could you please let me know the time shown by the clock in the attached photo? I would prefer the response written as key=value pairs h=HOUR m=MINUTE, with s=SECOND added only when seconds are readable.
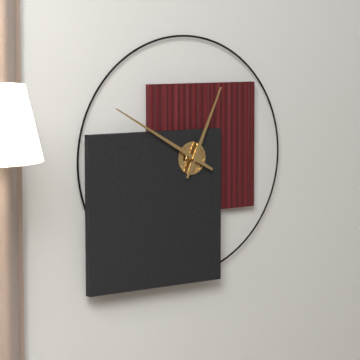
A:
h=12 m=50
